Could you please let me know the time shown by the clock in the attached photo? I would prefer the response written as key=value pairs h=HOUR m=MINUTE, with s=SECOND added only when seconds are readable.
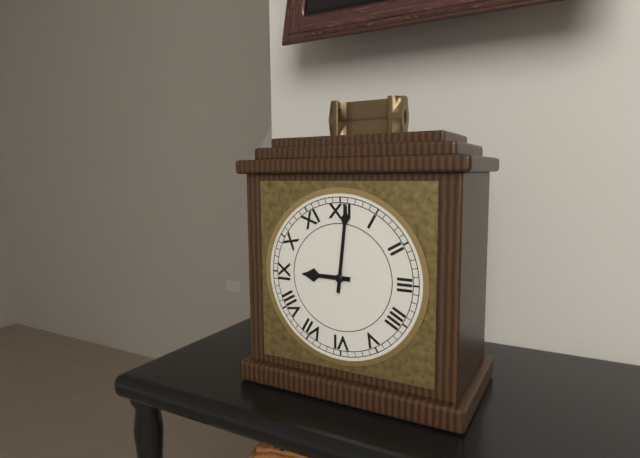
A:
h=9 m=1
